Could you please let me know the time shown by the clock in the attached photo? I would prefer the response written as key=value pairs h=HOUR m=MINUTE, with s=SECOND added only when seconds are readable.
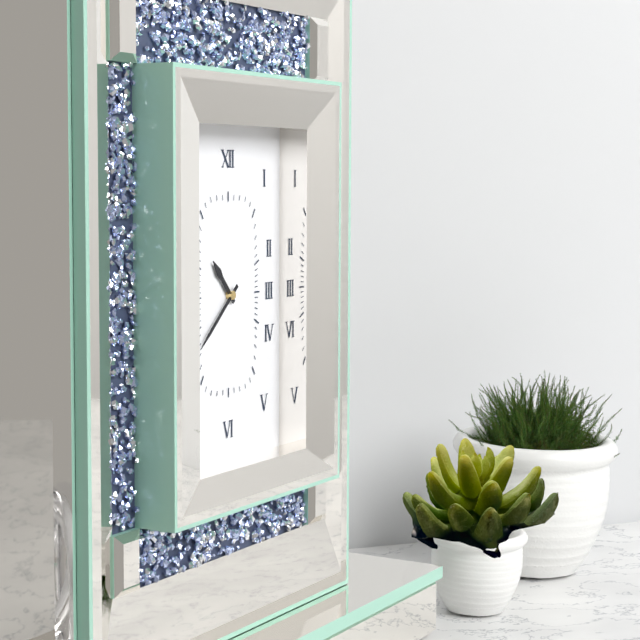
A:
h=10 m=38
